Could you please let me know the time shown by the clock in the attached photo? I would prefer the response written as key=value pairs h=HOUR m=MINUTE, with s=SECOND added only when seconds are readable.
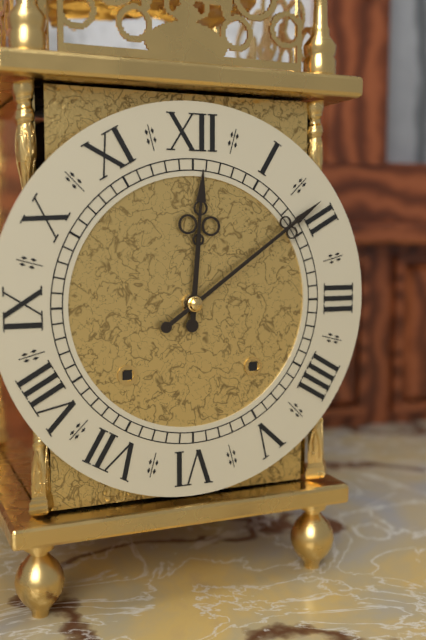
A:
h=12 m=9
